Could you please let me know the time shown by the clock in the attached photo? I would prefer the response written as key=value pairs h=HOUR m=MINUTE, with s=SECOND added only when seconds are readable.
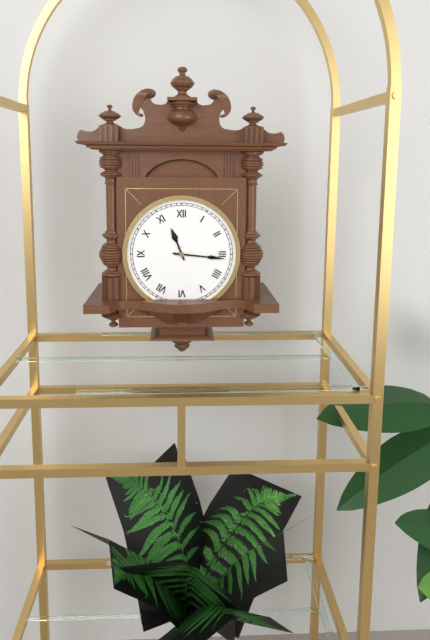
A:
h=11 m=16
